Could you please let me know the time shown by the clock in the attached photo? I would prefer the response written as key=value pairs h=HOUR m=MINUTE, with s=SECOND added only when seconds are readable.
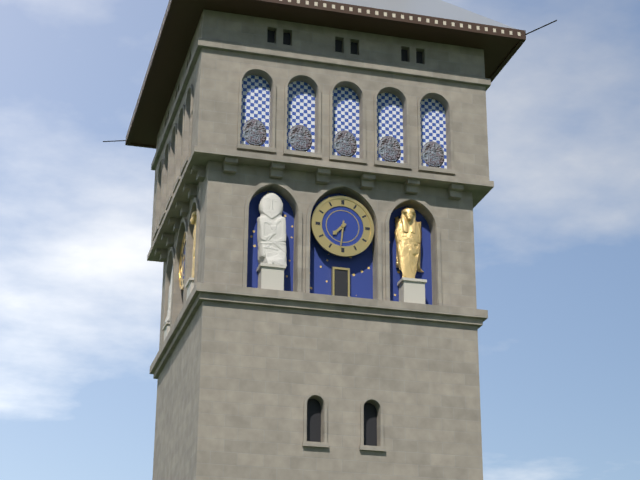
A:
h=7 m=31
